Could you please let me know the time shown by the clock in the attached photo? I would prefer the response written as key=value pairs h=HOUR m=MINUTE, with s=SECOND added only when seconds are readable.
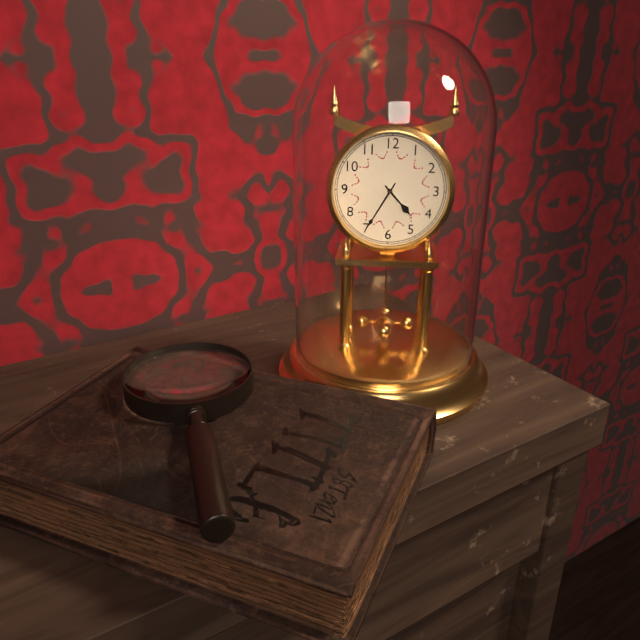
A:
h=4 m=35
